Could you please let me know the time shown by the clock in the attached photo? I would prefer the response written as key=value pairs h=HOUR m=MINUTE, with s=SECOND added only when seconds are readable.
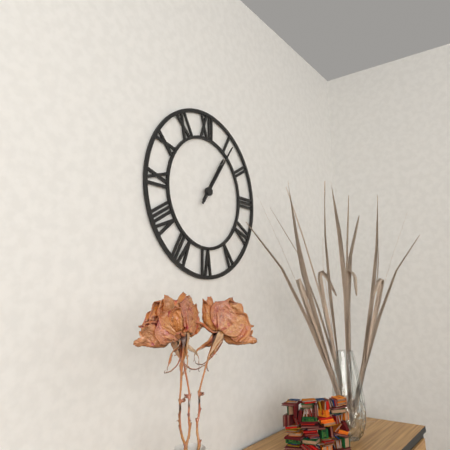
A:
h=1 m=6
